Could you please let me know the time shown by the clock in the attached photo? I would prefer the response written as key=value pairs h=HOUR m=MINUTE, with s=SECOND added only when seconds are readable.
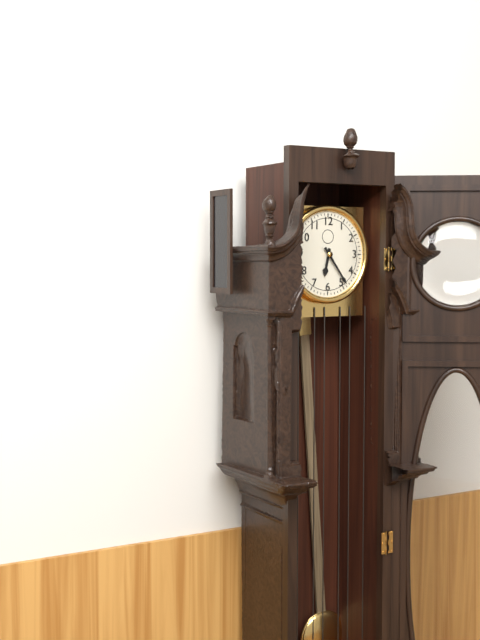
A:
h=6 m=24
